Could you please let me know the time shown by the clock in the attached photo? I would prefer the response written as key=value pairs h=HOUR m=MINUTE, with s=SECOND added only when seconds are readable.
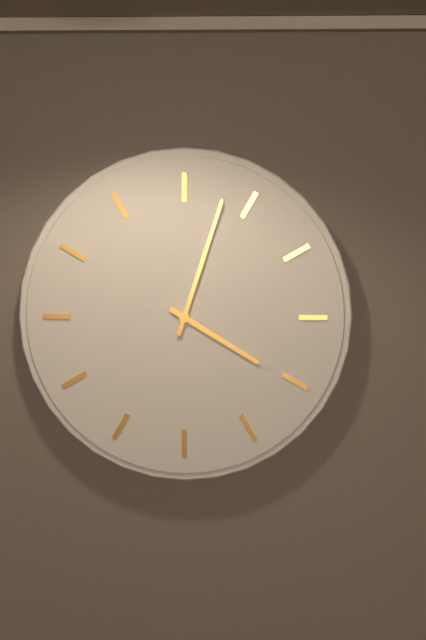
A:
h=4 m=3
